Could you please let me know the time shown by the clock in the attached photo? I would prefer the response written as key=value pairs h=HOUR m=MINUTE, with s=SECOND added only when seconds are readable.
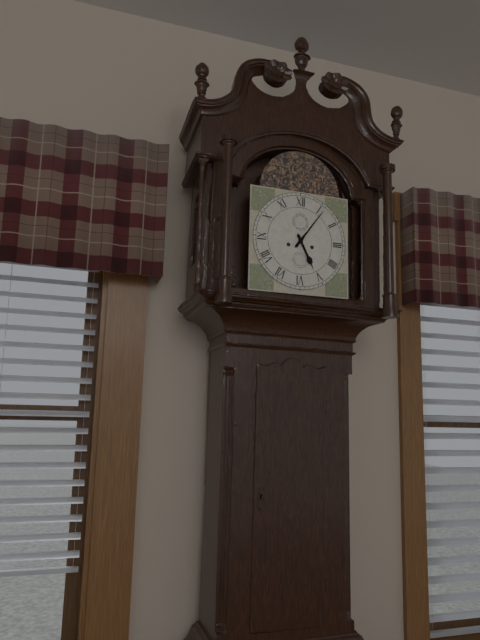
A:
h=5 m=6
